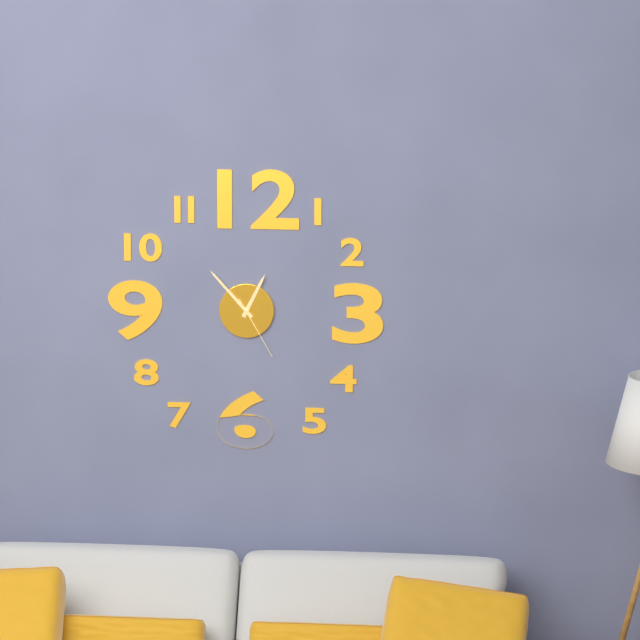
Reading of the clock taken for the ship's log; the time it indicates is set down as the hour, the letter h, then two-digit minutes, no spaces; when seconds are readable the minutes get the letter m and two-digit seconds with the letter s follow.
12h53m25s
